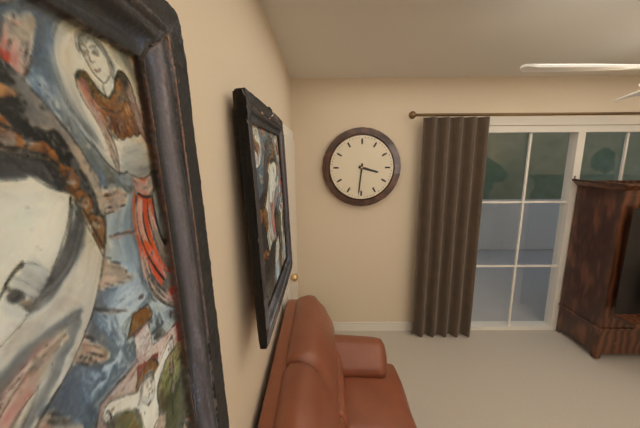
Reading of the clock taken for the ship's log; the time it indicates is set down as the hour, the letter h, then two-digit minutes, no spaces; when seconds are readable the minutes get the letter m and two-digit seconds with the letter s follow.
3h31
